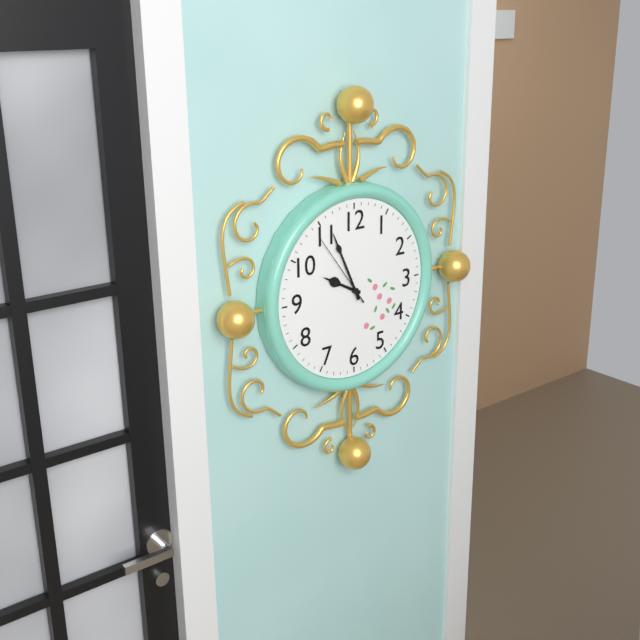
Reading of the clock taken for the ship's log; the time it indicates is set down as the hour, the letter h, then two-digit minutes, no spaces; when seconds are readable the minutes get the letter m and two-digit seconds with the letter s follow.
9h56m54s
